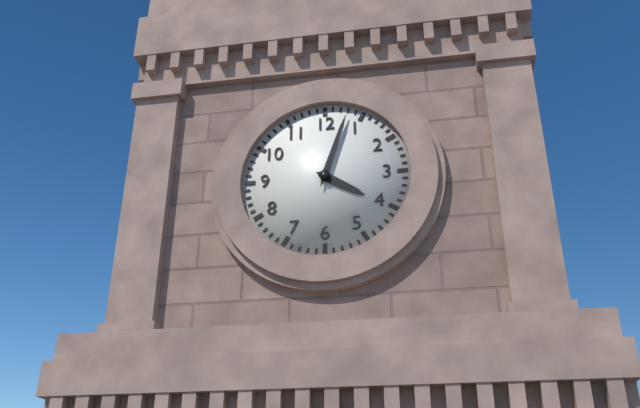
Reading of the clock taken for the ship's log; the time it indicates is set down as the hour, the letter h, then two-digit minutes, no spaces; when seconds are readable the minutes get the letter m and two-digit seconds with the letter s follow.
4h03
